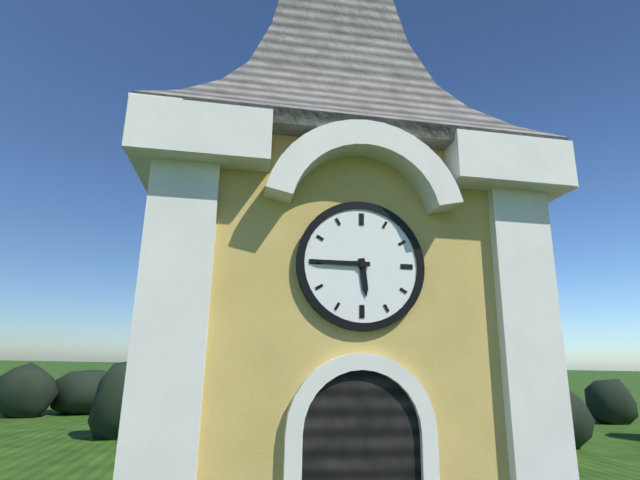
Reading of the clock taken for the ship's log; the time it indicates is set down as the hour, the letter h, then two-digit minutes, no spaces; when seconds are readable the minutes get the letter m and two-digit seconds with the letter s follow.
5h45
